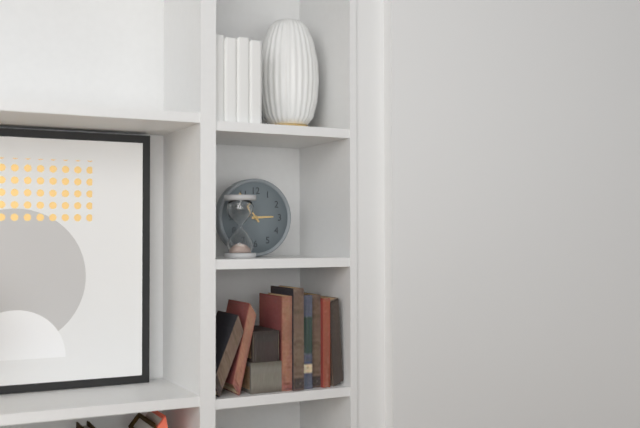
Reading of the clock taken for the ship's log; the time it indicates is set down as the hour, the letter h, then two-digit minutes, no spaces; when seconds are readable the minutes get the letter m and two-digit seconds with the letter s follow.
2h54
